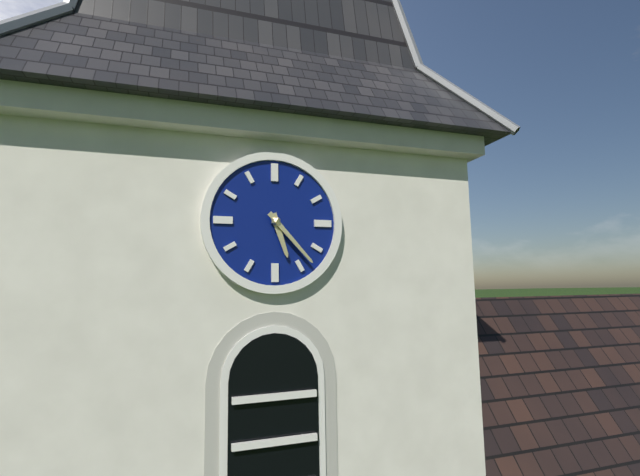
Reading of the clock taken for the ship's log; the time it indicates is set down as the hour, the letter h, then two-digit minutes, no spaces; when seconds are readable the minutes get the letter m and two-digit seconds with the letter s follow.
5h23
